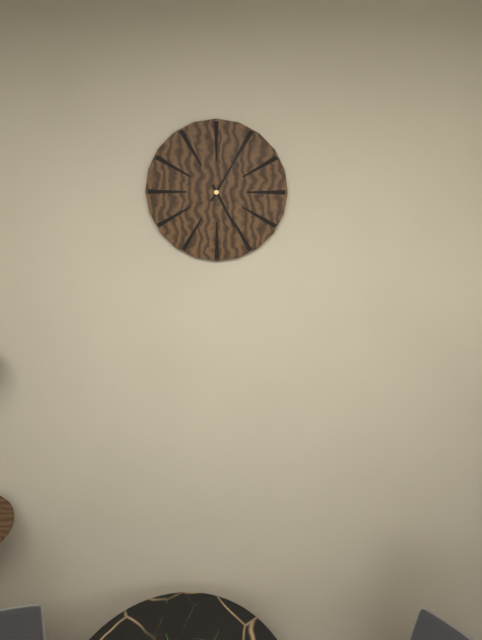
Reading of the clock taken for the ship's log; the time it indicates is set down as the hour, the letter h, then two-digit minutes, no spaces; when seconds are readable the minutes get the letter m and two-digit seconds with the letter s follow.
5h05
